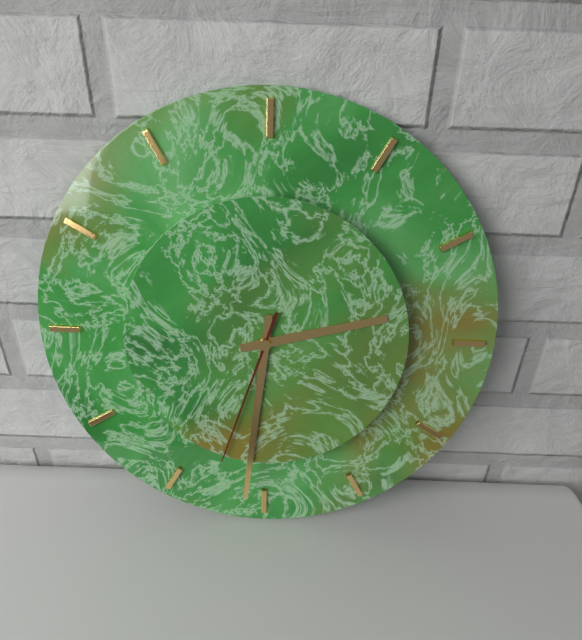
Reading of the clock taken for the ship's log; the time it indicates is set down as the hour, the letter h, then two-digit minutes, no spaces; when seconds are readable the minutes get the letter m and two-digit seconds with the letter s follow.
2h31m33s
